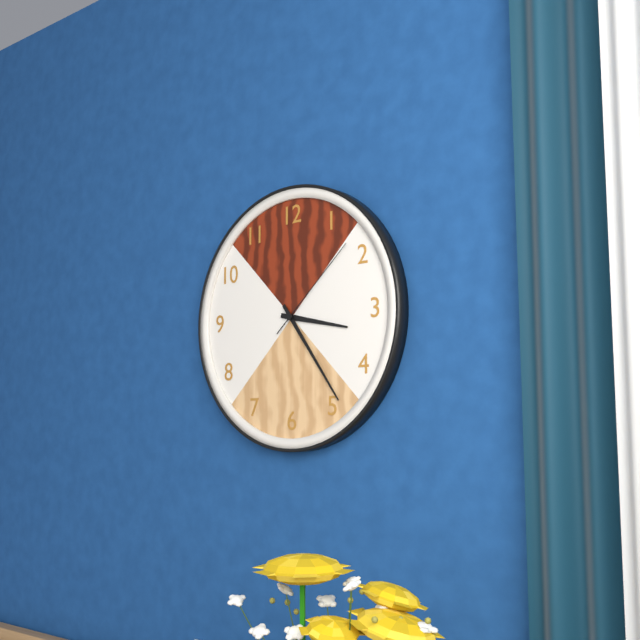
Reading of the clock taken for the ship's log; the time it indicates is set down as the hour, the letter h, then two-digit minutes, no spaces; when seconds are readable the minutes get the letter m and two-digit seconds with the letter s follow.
3h24m08s
